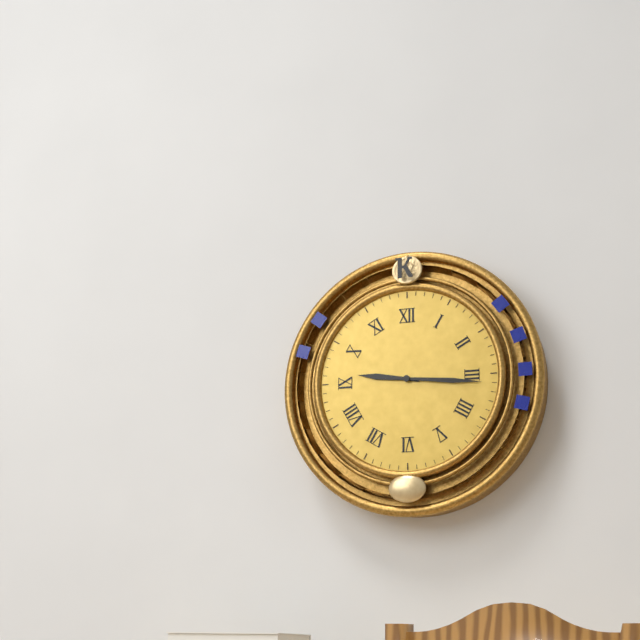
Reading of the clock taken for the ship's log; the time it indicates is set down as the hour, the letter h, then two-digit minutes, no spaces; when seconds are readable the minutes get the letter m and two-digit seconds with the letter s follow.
9h16
